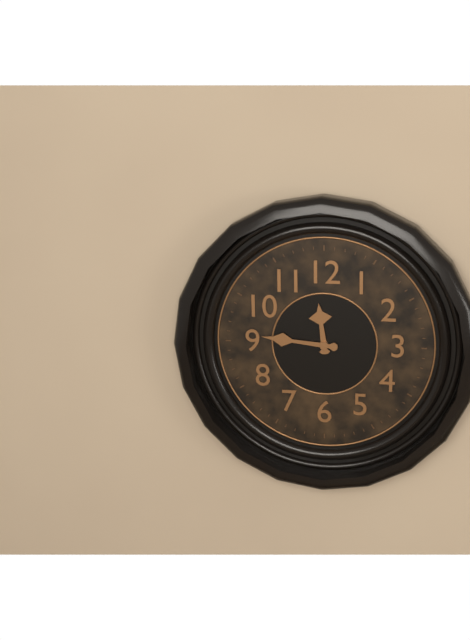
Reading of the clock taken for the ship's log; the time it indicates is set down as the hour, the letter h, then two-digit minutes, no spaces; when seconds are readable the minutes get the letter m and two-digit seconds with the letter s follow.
11h46
